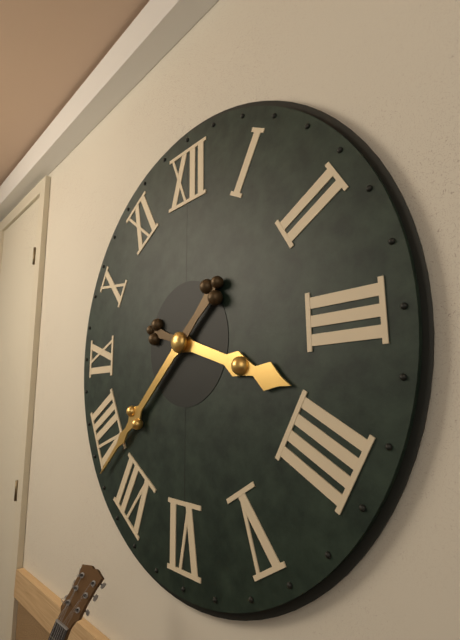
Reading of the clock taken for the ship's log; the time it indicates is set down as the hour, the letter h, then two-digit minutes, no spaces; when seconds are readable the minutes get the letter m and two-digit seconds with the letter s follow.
3h38
